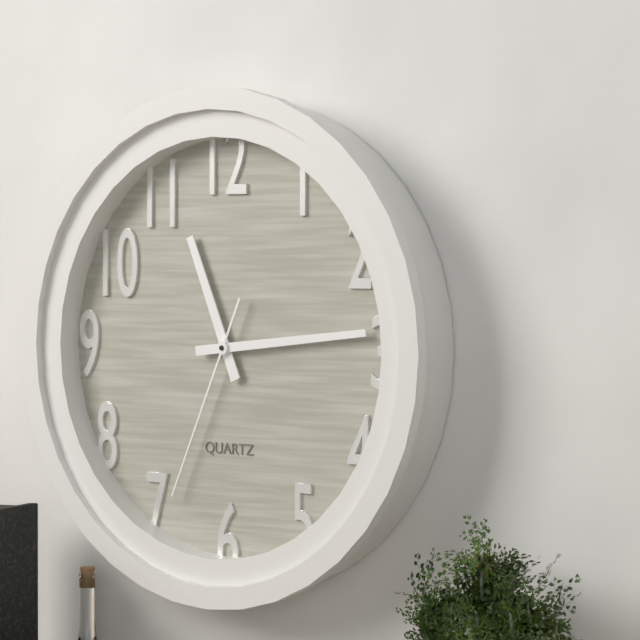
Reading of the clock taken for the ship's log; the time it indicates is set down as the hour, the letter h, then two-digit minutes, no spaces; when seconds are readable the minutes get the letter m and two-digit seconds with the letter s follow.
11h14m34s
